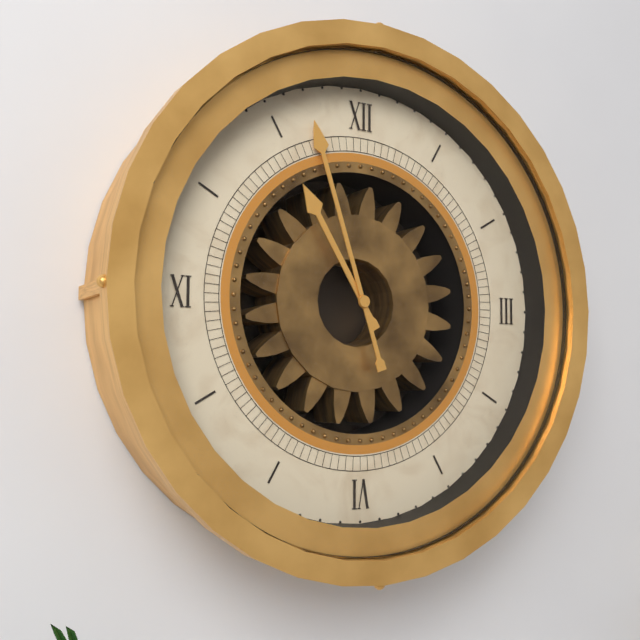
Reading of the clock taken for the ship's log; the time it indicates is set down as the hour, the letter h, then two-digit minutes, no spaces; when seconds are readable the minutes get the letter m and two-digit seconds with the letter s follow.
10h57
